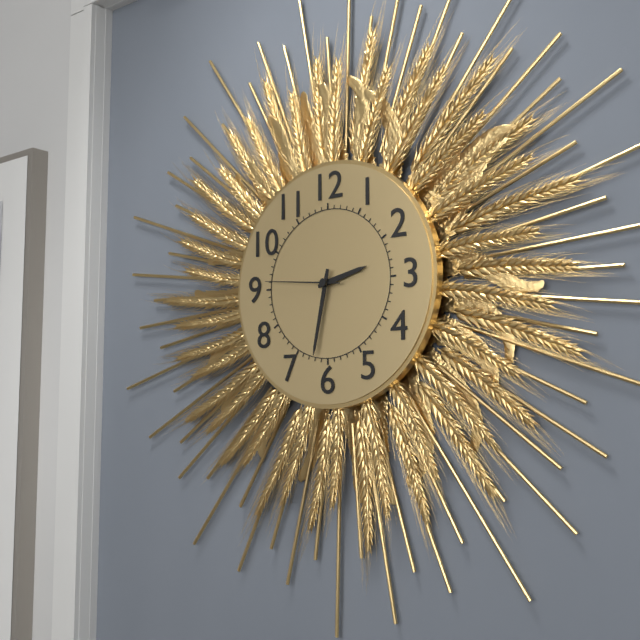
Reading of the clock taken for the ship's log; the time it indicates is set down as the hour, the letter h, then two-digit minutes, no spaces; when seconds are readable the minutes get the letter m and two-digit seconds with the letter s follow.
2h32m46s
